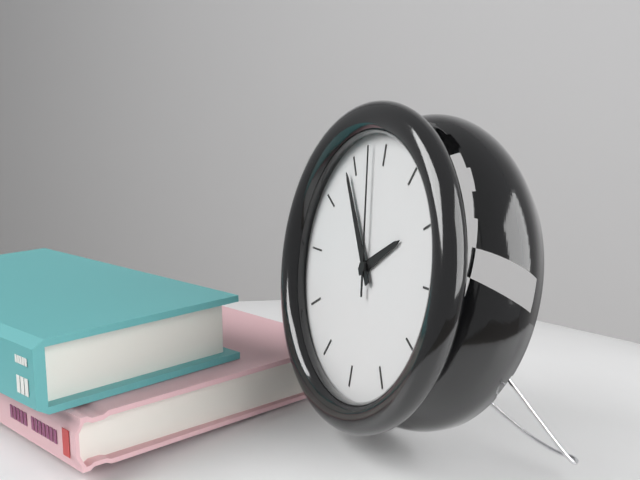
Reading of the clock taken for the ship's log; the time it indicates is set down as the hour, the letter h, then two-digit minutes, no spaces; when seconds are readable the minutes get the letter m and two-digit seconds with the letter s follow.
1h54m58s
